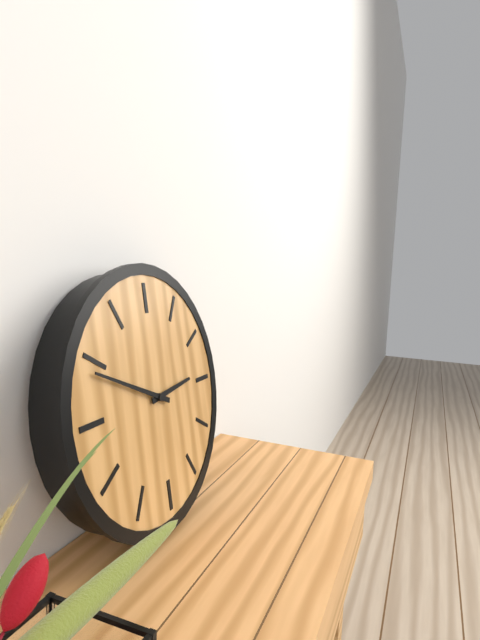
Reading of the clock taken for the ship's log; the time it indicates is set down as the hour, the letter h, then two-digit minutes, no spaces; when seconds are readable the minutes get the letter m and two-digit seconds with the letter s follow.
2h49
